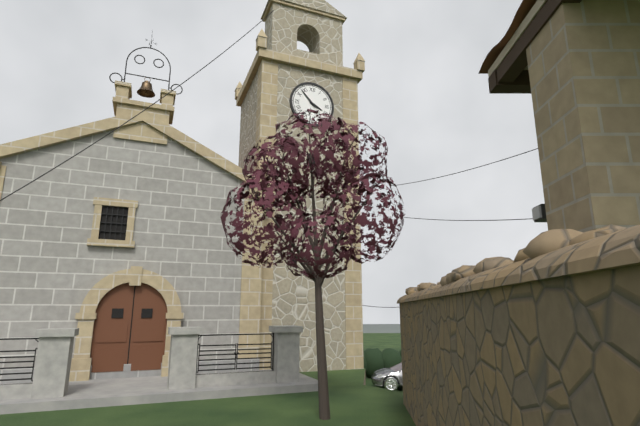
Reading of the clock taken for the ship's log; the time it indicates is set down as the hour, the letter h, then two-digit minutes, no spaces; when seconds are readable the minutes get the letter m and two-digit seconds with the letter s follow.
3h53
